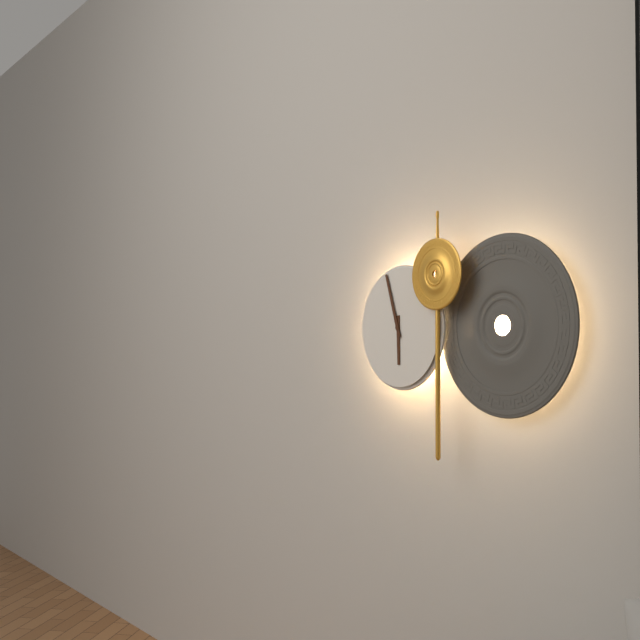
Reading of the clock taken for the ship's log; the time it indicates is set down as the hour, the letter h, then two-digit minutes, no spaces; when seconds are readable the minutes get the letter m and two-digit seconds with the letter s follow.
5h57
